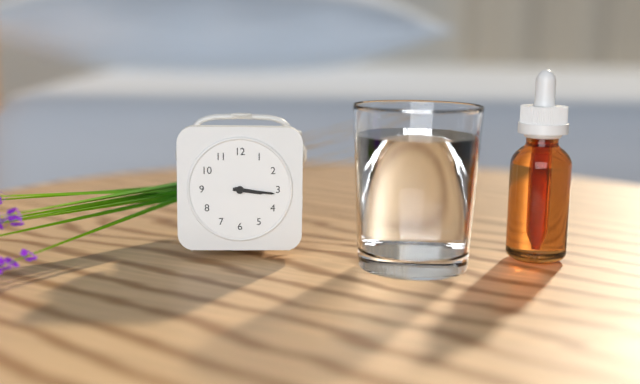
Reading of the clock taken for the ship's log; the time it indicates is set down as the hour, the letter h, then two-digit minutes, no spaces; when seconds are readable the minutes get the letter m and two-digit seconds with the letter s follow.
3h16
